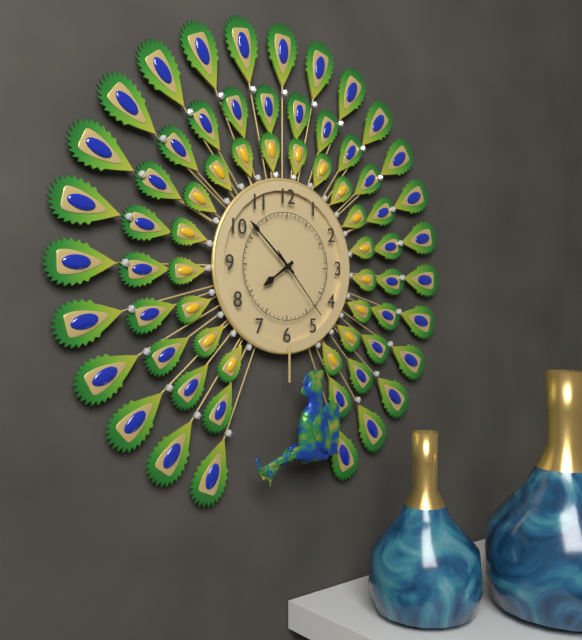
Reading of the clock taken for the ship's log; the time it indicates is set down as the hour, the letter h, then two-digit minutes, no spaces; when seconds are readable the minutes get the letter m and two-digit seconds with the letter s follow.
7h52m23s
